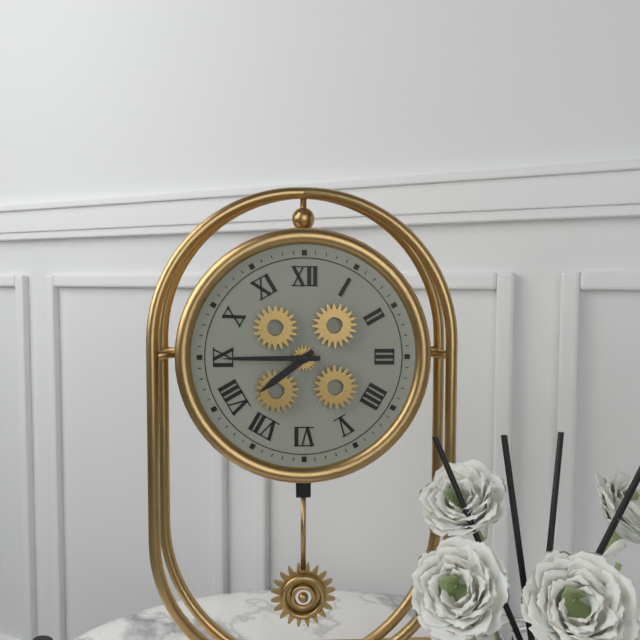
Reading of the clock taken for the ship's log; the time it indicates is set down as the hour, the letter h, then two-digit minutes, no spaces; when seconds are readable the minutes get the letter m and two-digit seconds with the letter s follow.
7h45
